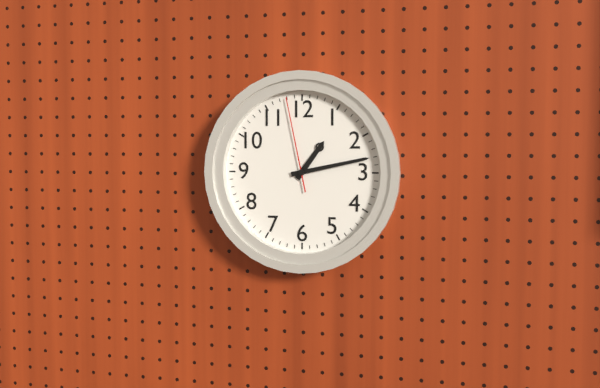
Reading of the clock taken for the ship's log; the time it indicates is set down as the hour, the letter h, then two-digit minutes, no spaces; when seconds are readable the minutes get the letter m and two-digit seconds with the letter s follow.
1h13m58s
